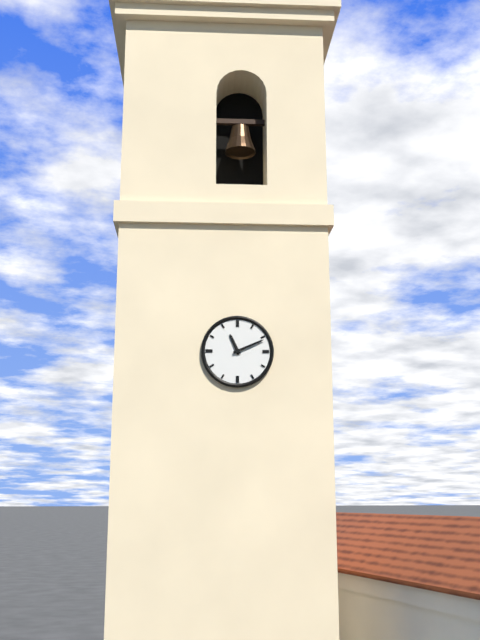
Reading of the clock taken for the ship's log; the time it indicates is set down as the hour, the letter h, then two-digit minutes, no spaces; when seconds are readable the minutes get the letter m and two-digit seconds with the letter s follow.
11h11
